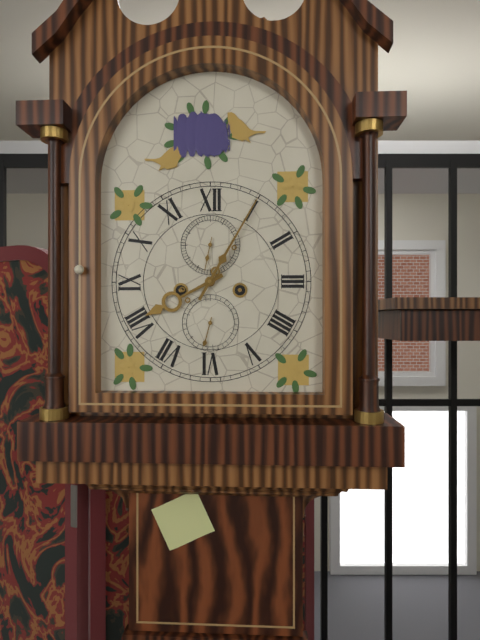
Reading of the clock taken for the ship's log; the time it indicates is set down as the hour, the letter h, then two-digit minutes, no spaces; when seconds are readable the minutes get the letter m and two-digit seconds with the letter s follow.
8h05
